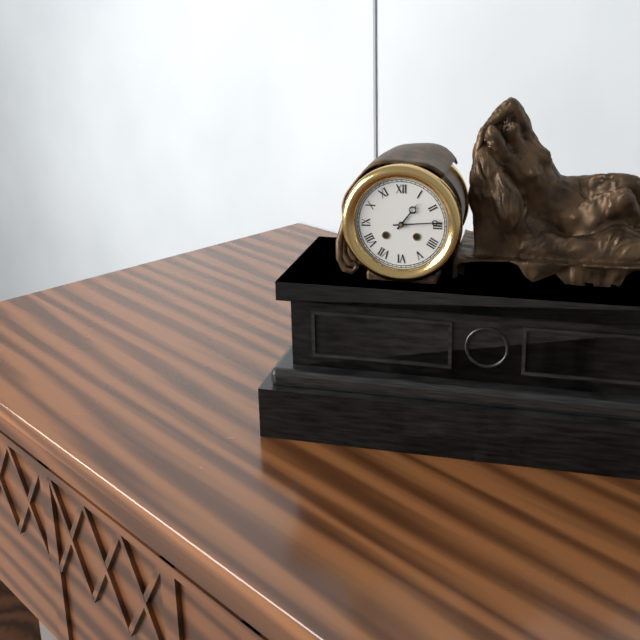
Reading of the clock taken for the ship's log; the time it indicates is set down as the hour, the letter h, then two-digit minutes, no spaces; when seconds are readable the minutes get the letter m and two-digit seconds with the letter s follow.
1h14
